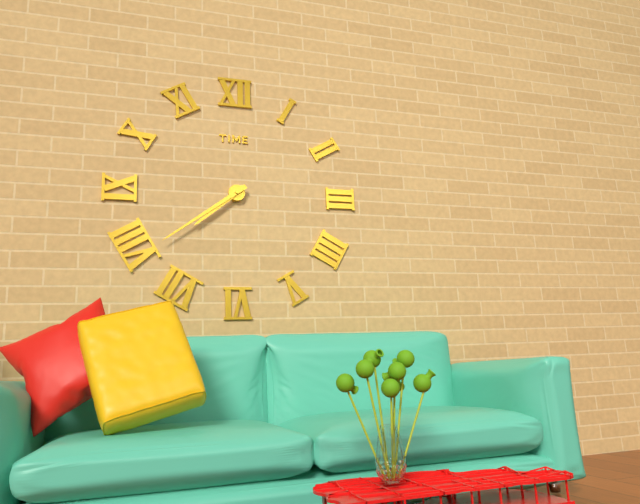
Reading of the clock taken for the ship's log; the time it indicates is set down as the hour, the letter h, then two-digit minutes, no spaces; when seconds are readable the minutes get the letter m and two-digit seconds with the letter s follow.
7h39
